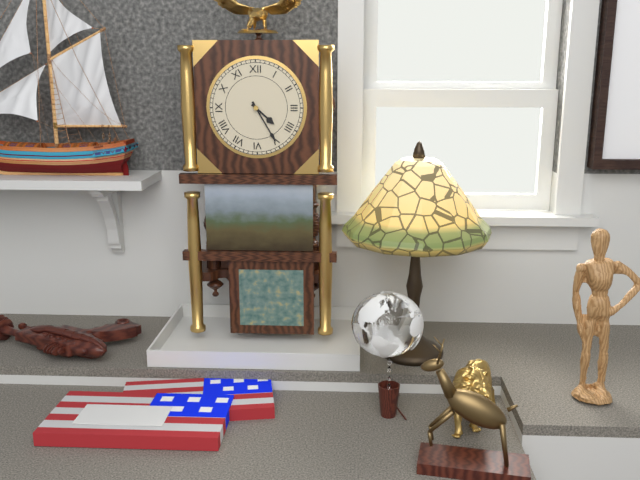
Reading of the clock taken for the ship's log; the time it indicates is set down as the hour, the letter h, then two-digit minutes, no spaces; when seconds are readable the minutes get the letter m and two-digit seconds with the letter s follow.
4h25
